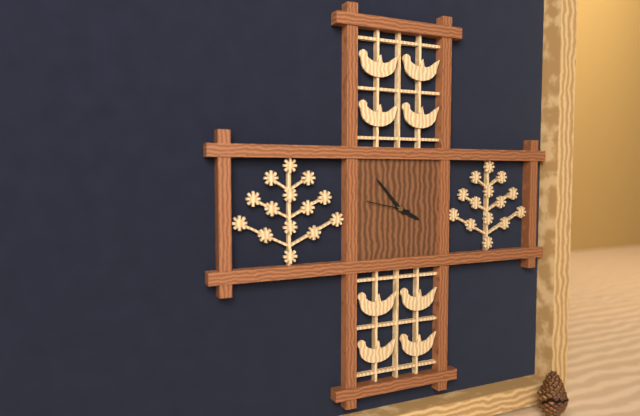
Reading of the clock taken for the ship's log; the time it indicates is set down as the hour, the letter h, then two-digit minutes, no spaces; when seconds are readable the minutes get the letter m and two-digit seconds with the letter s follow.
3h53
